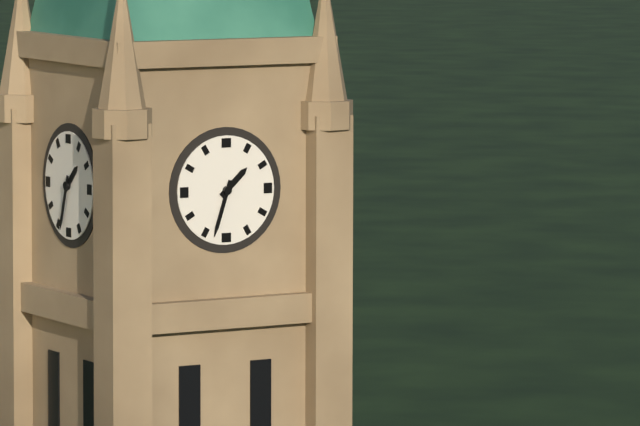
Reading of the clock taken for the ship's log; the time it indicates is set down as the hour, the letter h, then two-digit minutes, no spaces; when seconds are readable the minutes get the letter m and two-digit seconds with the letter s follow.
1h33
